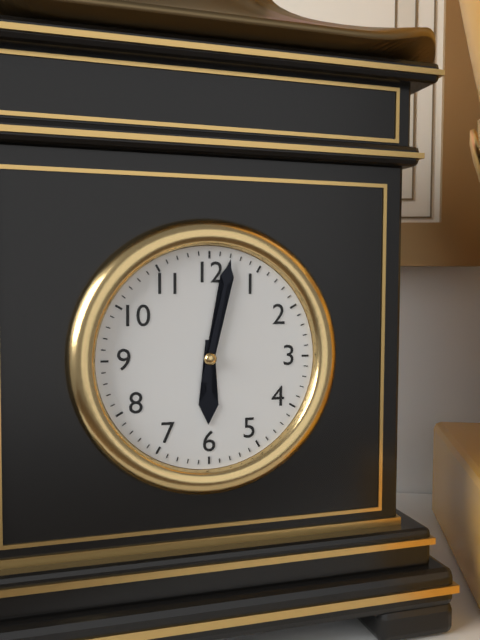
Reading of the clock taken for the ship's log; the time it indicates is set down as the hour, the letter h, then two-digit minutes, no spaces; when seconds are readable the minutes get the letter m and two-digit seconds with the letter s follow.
6h02
